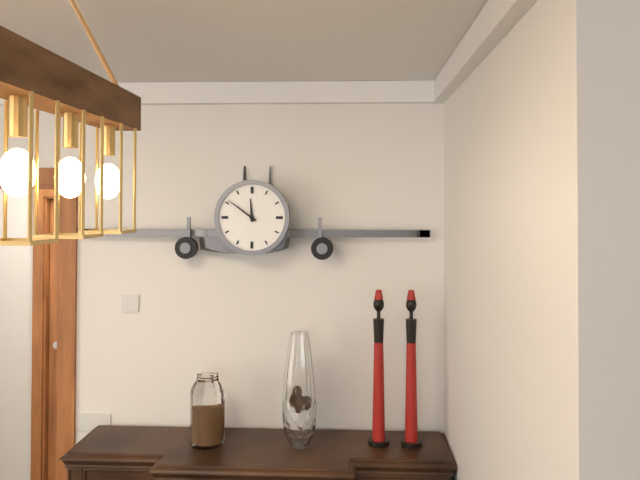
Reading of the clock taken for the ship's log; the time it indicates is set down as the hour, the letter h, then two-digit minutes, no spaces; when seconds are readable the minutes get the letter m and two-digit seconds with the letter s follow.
11h51
